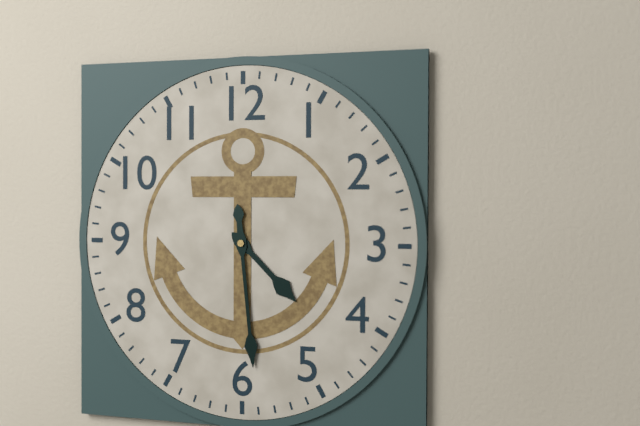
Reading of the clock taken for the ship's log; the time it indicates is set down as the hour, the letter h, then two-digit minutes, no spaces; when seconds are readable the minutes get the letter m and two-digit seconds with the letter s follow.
4h29
